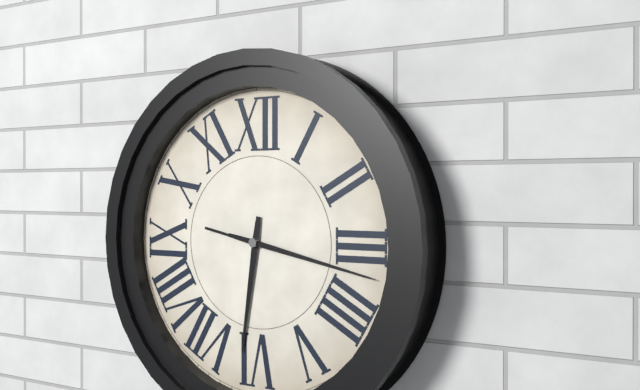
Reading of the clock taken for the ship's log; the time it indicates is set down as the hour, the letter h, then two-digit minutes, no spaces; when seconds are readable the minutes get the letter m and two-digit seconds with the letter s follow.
6h17m17s
